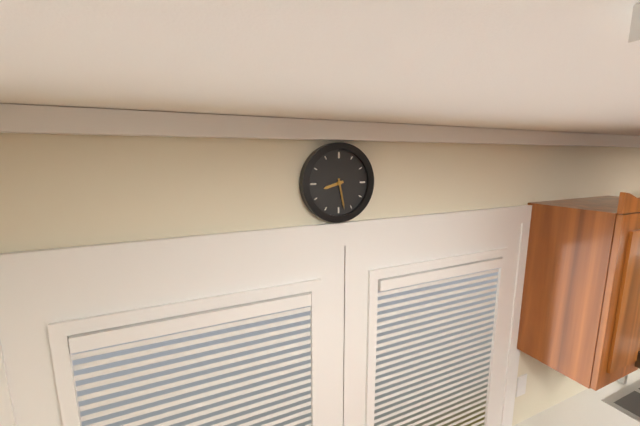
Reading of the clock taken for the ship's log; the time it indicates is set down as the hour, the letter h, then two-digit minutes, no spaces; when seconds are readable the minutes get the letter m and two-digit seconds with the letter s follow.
8h28
